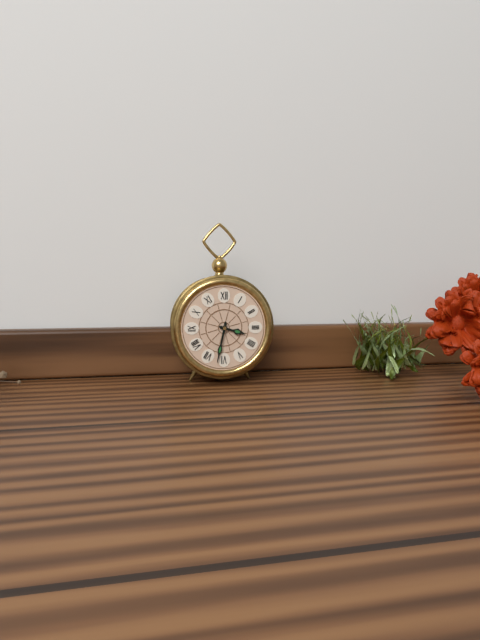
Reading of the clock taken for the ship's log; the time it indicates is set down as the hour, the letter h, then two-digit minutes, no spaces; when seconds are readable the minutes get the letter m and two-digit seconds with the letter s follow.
3h32
